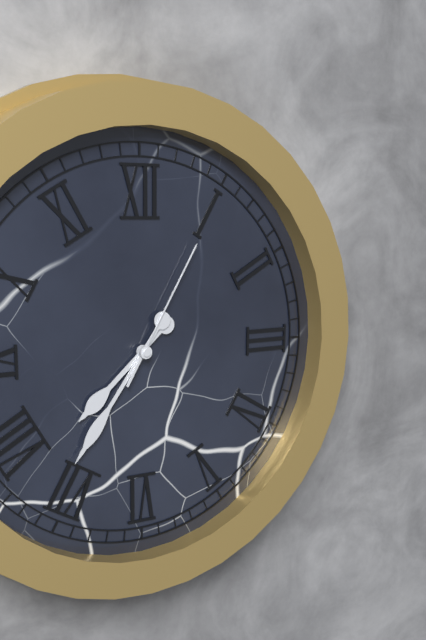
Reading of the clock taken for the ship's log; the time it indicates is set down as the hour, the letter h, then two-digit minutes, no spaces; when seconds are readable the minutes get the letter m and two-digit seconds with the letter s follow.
7h36m05s
